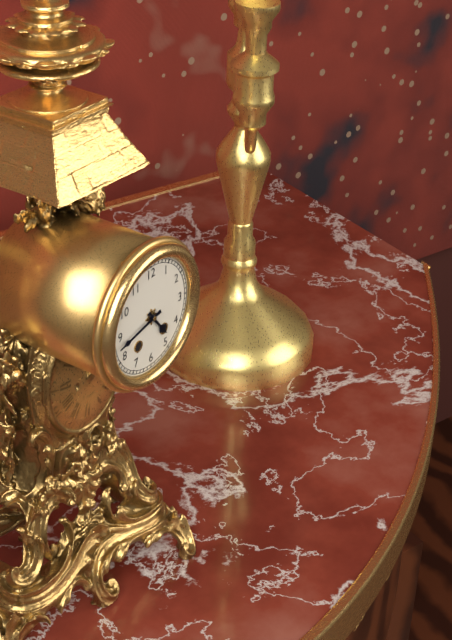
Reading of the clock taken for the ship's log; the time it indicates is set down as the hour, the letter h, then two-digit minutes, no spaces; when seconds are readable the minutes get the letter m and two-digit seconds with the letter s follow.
4h43
